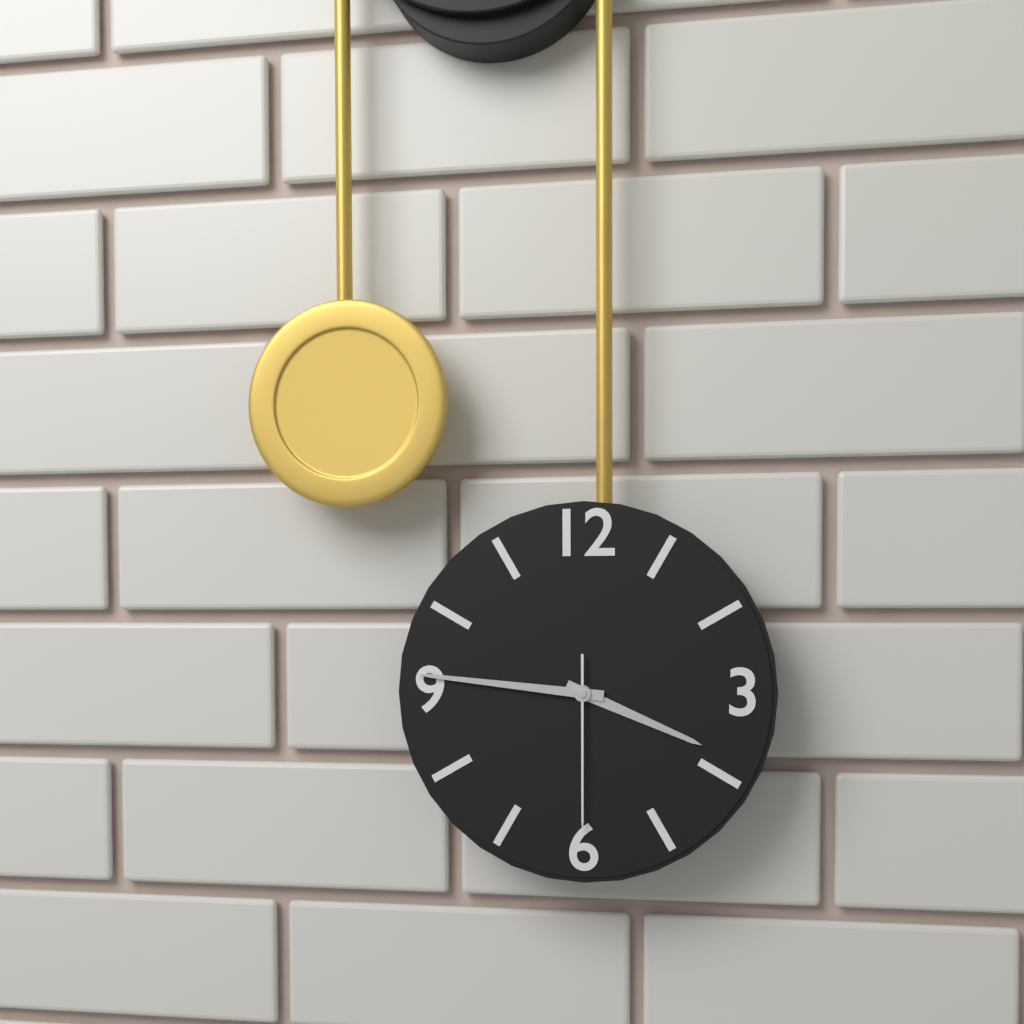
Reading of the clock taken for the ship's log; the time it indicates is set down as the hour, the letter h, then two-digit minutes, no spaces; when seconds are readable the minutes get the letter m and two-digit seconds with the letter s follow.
3h46m30s
